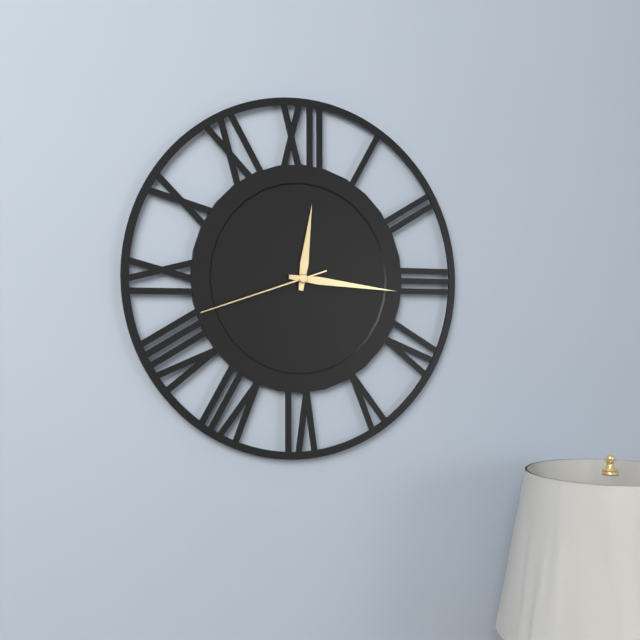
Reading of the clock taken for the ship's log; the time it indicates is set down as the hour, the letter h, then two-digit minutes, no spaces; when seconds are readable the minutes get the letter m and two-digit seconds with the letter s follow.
12h16m42s
